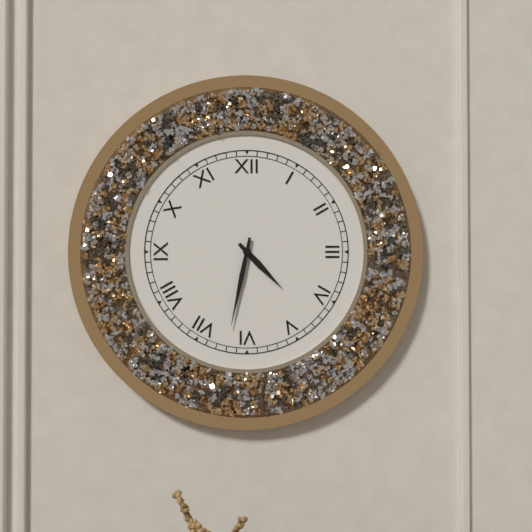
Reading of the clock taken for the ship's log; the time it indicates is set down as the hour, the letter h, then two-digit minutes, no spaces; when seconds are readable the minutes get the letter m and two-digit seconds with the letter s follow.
4h32
